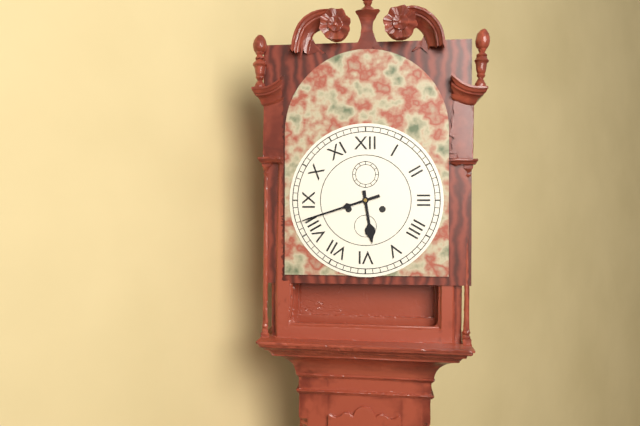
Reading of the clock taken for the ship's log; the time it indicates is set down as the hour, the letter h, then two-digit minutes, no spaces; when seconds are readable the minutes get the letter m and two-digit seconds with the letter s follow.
5h42
